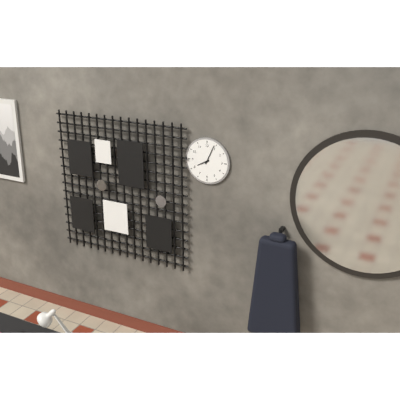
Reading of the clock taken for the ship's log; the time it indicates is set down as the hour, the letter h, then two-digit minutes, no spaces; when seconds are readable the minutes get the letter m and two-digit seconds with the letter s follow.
8h04
